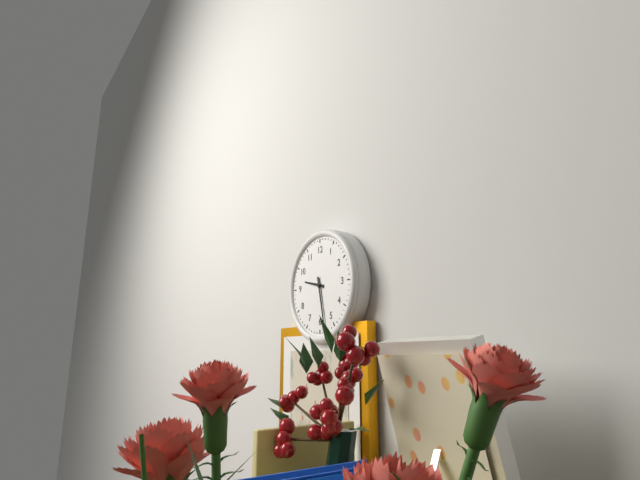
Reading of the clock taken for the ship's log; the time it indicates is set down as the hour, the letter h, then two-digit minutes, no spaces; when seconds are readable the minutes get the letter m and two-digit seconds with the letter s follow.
9h28
